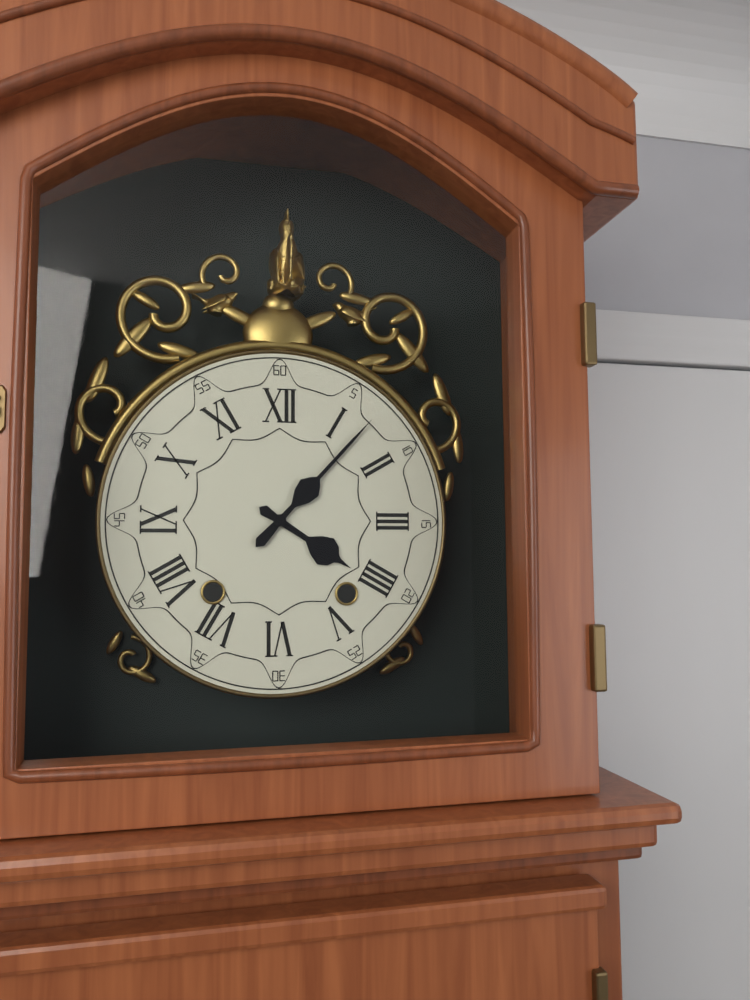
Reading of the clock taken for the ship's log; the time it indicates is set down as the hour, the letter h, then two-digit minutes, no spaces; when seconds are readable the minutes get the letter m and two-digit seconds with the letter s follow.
4h07
